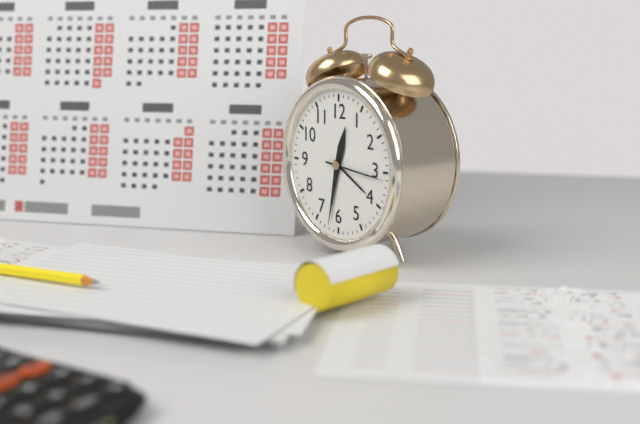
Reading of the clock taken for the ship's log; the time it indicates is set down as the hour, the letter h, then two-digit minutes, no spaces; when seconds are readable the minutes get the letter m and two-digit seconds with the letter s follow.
12h32m16s
